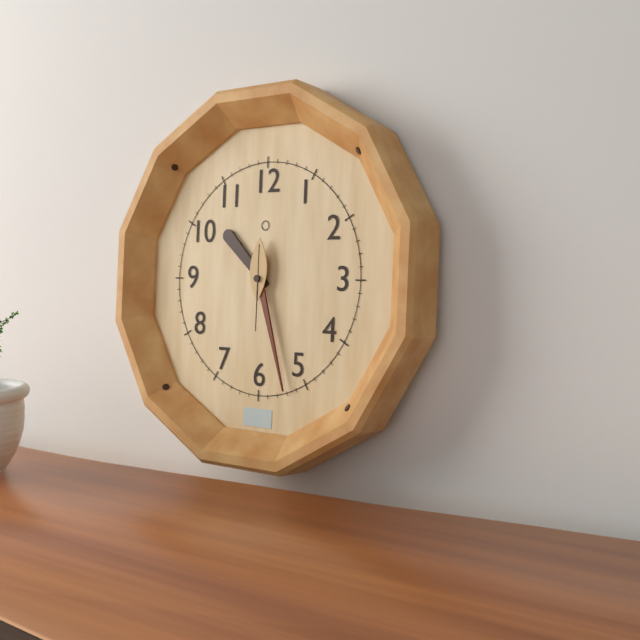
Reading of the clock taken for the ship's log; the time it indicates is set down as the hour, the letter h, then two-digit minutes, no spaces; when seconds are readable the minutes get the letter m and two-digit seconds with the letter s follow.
10h27m30s
